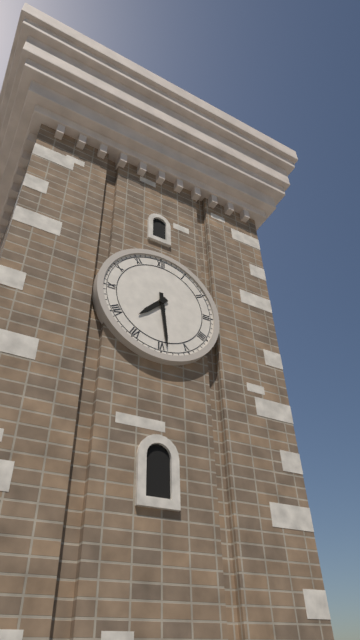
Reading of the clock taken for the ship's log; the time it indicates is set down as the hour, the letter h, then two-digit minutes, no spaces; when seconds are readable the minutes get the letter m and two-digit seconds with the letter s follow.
7h29
